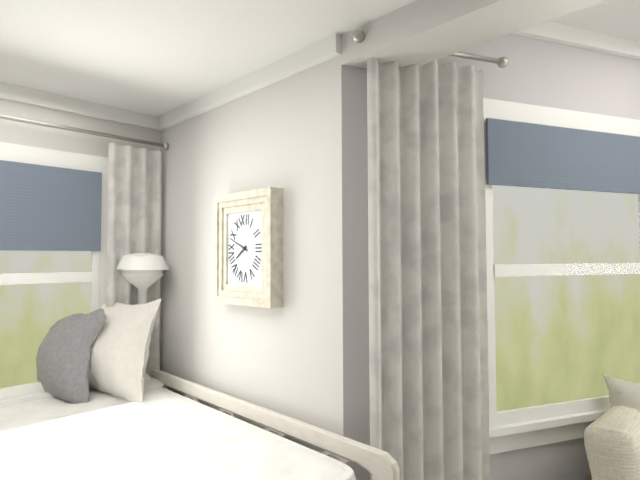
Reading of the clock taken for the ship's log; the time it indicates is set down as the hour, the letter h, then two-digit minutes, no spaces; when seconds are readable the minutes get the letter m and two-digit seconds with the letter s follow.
7h49
